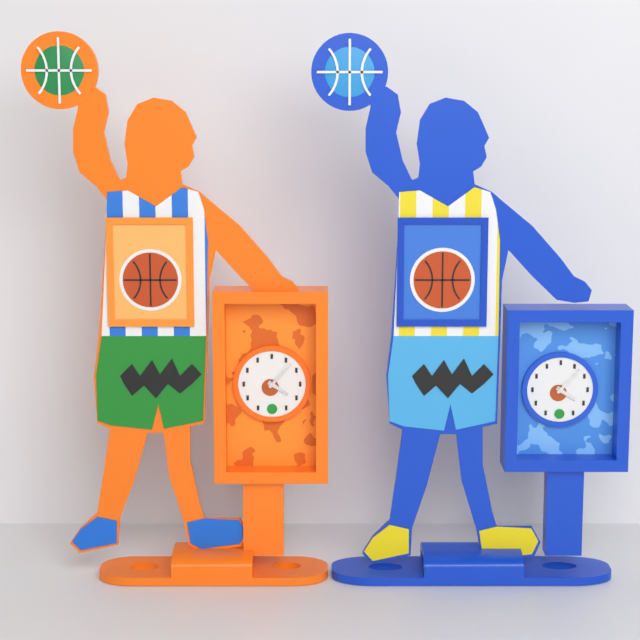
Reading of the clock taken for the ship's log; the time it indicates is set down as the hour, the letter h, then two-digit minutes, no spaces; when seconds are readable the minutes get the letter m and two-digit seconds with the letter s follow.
4h07
